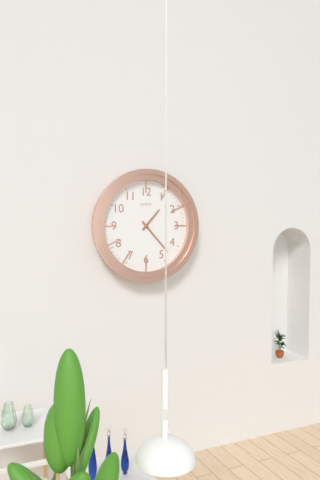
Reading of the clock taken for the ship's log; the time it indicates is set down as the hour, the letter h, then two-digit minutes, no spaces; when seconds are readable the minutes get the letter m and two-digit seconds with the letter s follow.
1h23
